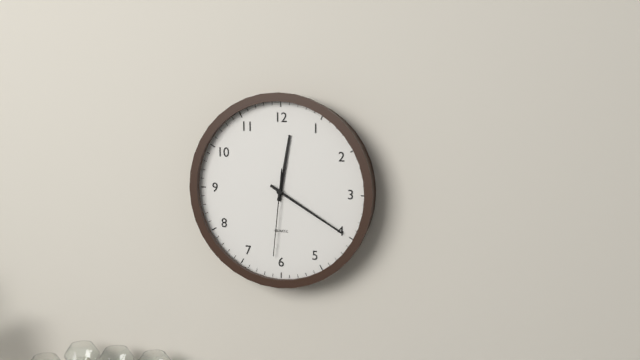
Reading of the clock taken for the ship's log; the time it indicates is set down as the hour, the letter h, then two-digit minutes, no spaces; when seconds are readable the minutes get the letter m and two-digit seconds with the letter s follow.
12h20m31s
